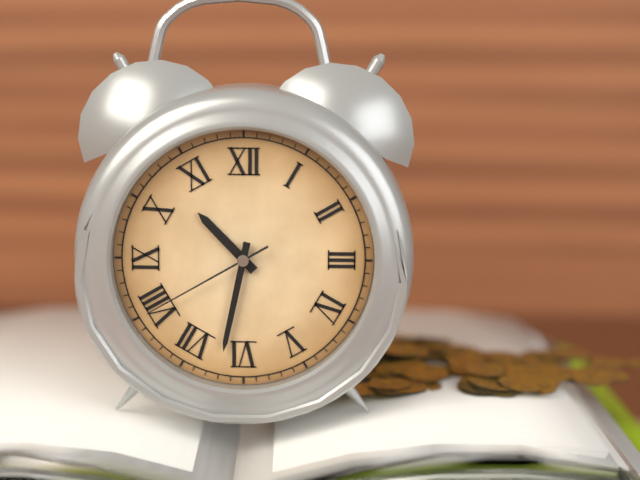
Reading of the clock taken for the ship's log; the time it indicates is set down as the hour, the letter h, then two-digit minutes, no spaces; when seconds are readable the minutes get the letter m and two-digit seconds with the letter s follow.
10h32m40s
